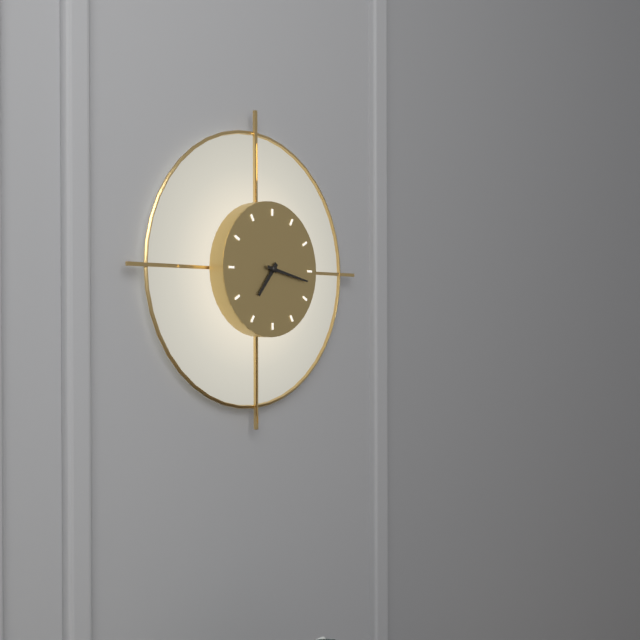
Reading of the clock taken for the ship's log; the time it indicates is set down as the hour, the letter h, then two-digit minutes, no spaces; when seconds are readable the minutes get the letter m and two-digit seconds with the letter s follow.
7h17
